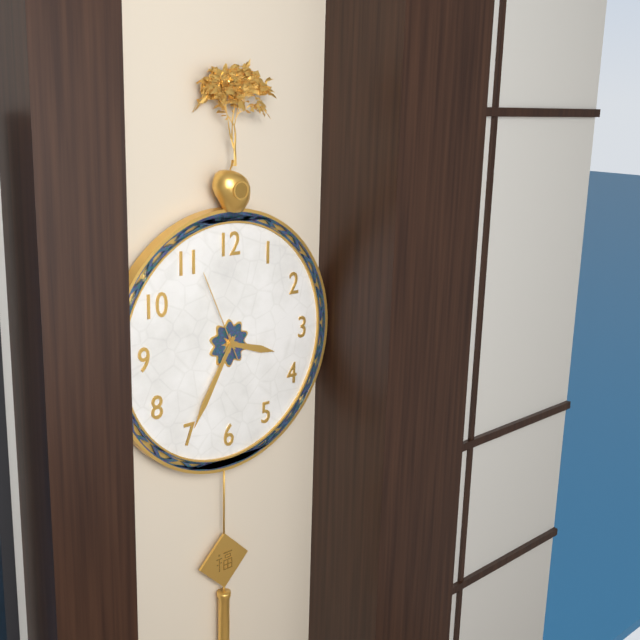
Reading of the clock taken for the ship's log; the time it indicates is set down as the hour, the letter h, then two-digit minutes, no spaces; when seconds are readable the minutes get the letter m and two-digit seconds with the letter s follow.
3h35m56s
